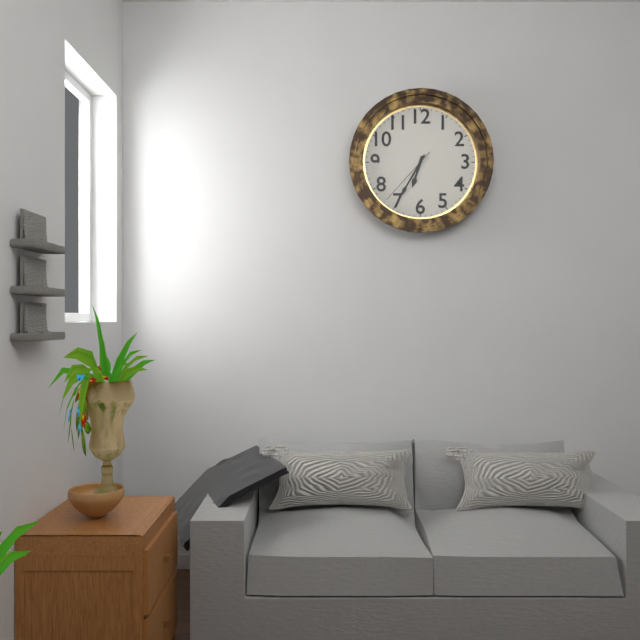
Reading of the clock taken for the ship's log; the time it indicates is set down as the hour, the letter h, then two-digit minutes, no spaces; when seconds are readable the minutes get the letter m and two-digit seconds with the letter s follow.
6h35m37s
